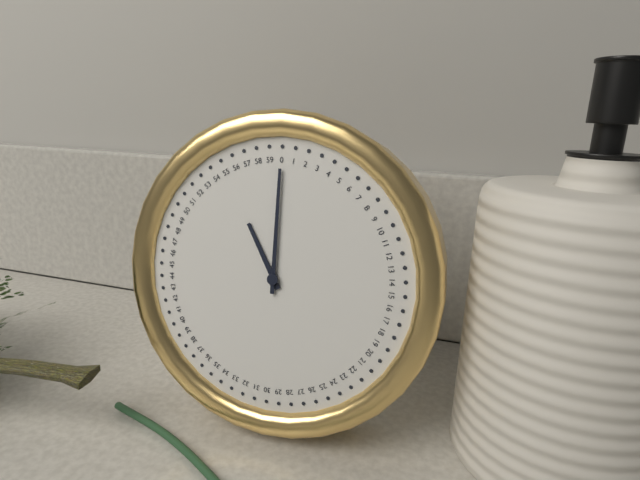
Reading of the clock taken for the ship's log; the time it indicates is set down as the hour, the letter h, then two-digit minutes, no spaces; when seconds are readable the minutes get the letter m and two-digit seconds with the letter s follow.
11h00
